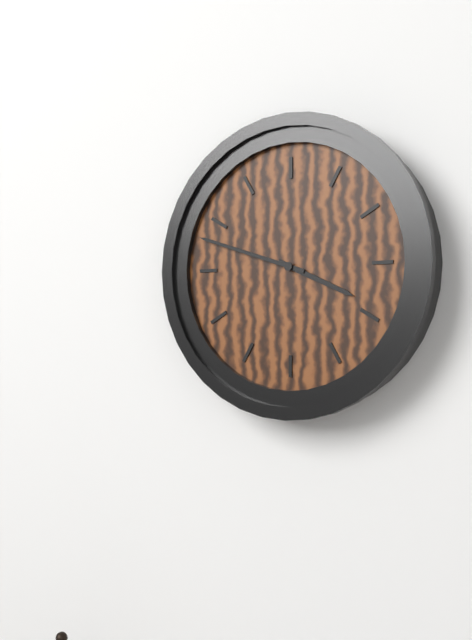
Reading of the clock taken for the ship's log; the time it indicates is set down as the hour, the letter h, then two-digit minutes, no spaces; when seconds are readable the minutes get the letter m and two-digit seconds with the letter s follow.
3h48
